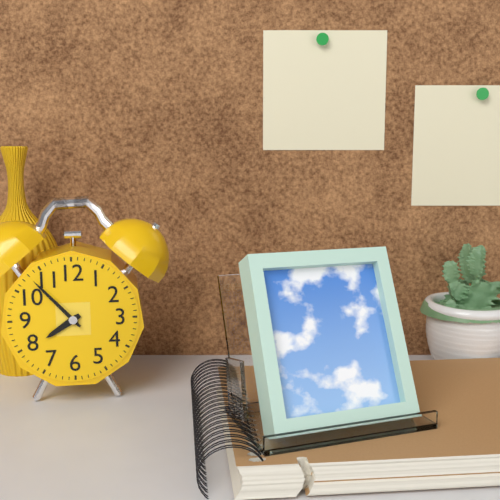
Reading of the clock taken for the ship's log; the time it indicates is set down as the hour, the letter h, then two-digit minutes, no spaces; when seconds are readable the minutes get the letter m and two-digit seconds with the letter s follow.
7h53
